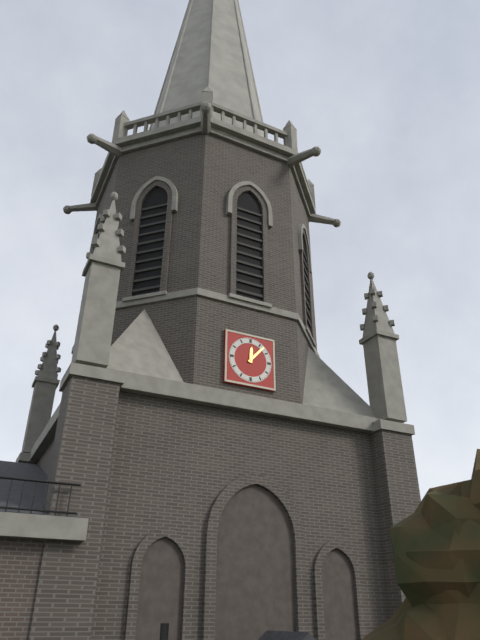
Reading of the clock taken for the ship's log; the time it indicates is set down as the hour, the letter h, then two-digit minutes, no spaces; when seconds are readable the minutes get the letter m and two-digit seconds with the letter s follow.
12h07
